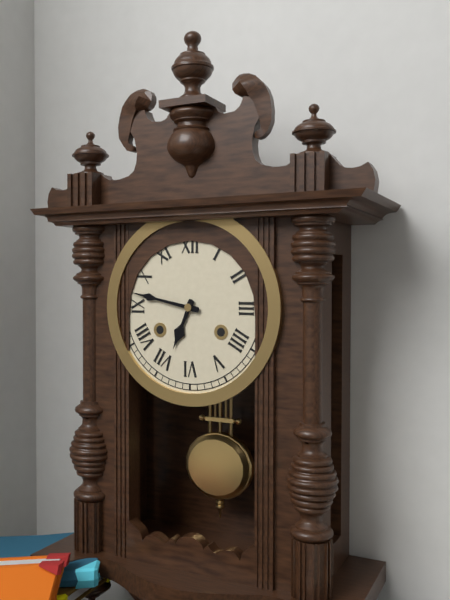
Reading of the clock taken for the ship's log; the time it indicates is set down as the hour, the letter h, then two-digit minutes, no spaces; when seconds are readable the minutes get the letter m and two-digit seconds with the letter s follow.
6h47
